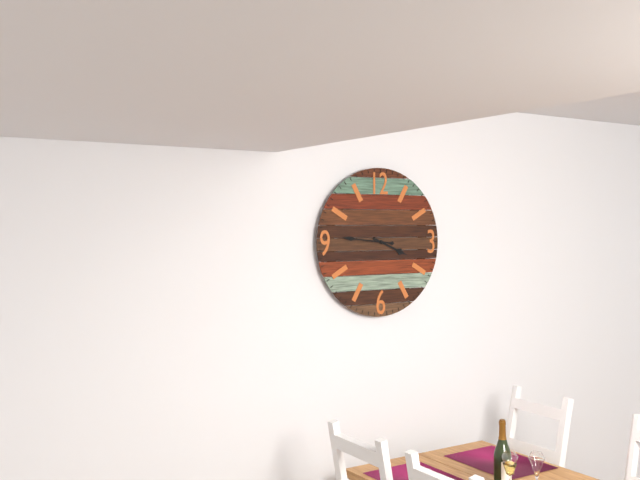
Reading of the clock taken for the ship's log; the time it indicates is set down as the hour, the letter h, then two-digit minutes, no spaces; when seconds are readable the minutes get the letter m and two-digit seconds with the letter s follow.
3h46
